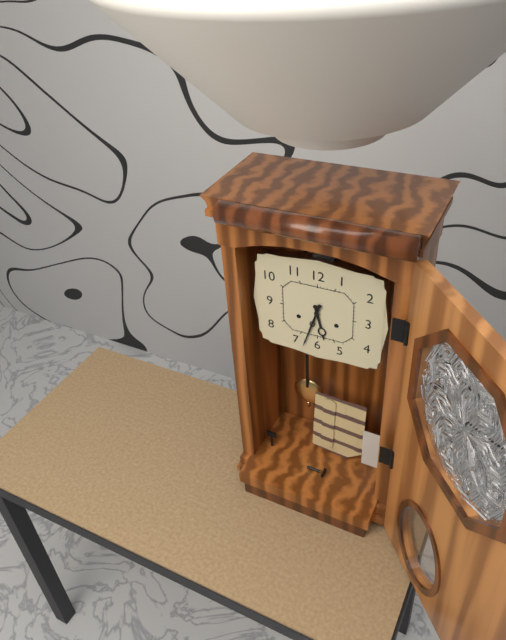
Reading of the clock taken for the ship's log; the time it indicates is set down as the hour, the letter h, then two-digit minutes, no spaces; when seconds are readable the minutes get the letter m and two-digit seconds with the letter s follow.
5h33
